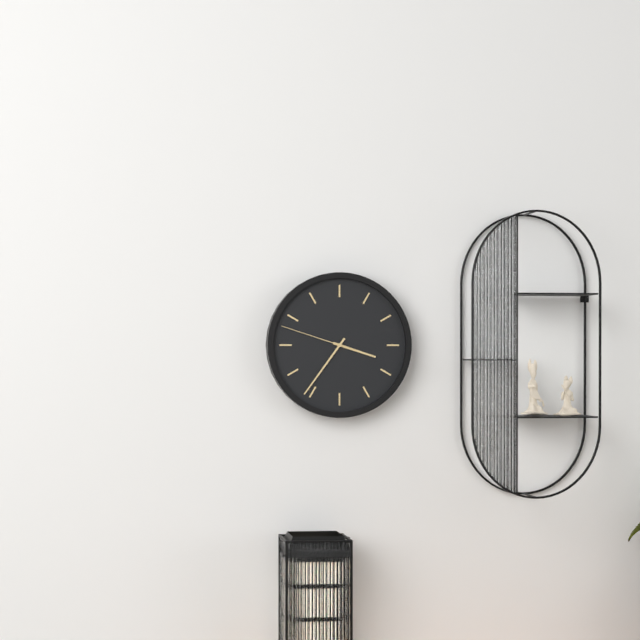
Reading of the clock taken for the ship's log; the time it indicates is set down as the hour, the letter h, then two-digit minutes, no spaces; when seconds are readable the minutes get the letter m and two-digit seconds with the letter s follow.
3h36m48s
